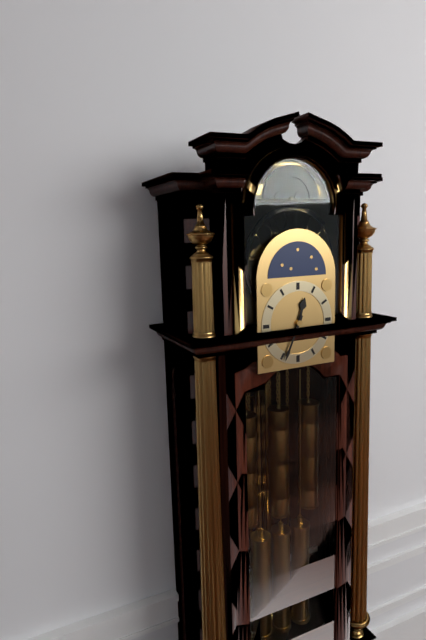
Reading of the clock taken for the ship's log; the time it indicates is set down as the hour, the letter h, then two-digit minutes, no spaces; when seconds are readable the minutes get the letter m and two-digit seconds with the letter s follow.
12h34
